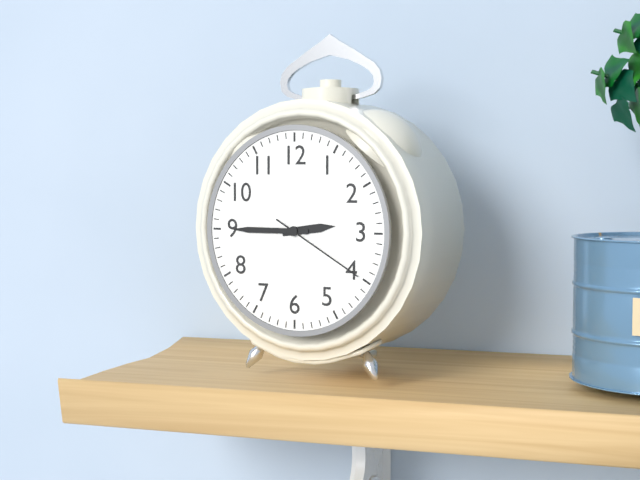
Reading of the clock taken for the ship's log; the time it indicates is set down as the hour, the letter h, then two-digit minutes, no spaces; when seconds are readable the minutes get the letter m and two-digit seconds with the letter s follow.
2h45m20s
